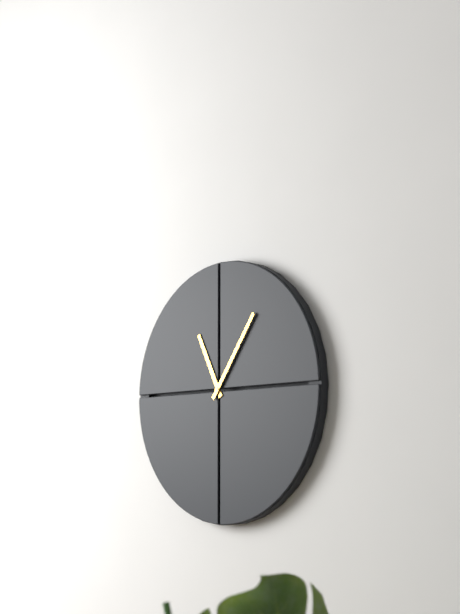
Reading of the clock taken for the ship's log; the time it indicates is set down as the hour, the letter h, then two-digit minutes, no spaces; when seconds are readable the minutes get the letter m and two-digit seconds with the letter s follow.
11h06
